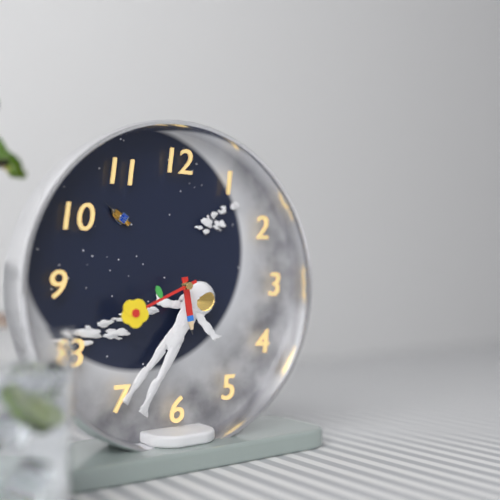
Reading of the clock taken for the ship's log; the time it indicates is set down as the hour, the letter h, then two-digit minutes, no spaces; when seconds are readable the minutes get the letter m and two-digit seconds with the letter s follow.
5h41
